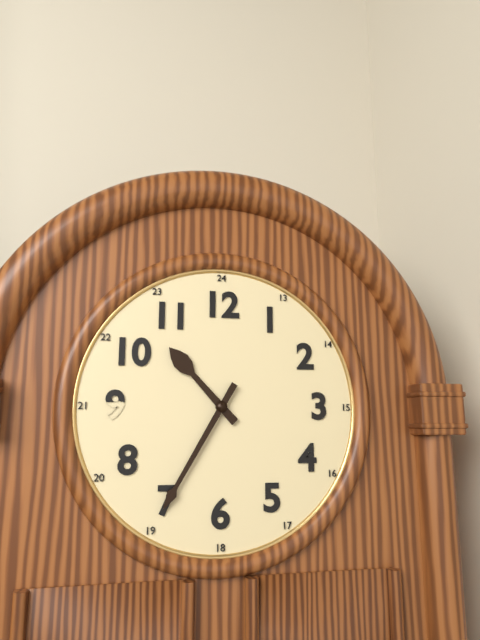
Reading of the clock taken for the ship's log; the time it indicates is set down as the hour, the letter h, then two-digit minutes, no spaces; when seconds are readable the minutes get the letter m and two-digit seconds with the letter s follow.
10h35
